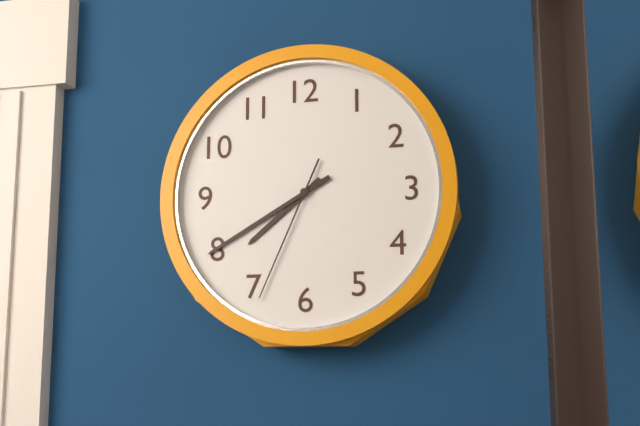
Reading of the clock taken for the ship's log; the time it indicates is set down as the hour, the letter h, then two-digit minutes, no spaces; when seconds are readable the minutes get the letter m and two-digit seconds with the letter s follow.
7h40m34s
